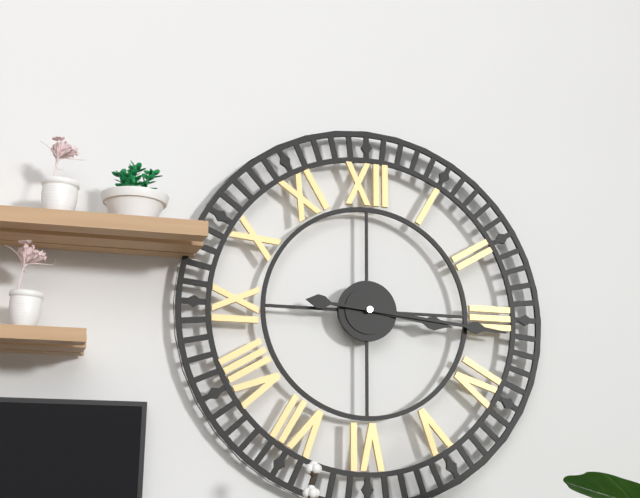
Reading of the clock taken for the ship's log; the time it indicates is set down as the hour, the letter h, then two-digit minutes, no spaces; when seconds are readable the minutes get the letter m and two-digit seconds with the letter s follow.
3h16
